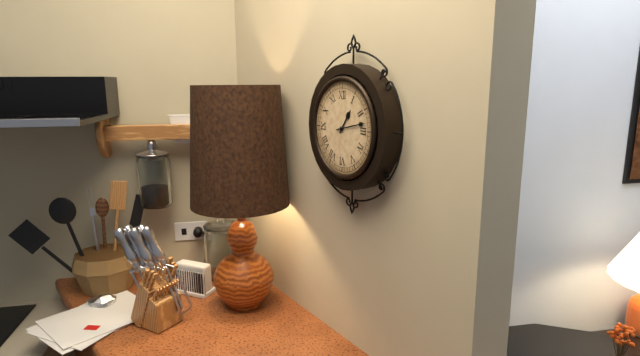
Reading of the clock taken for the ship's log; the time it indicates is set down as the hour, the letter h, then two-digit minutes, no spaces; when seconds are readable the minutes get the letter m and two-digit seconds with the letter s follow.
1h13
